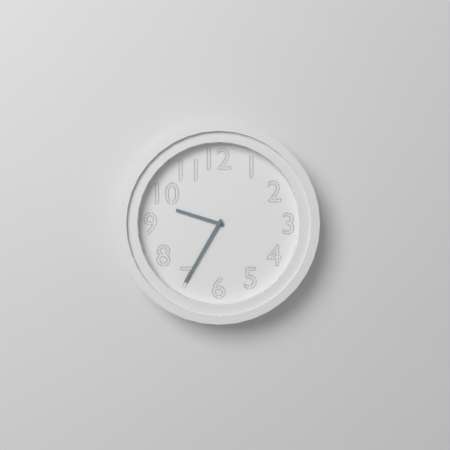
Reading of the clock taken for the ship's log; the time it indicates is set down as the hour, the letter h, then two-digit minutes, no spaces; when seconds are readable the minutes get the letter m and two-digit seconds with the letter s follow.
9h35
